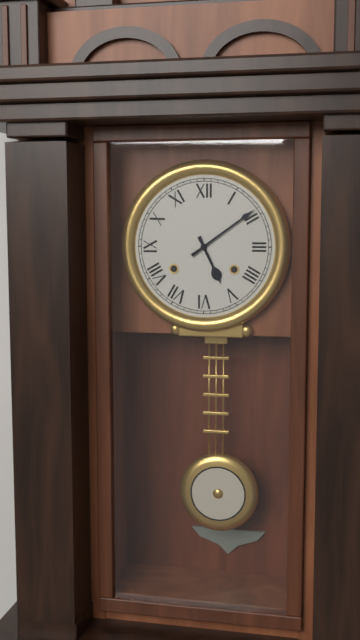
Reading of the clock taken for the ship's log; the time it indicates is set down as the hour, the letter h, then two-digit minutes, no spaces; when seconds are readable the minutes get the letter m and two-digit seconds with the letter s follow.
5h09
